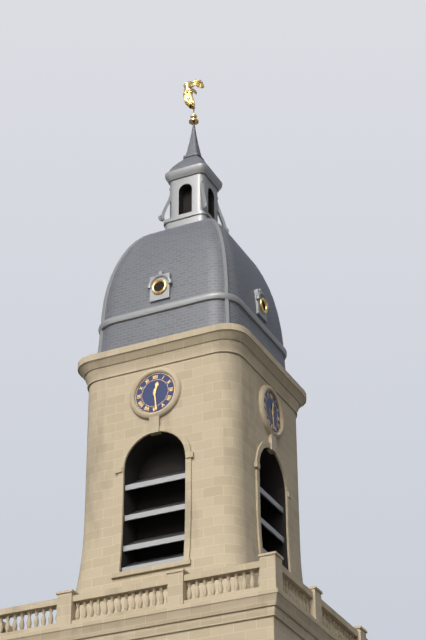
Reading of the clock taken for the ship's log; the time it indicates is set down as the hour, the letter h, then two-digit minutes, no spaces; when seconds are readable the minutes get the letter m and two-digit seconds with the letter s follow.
12h29
